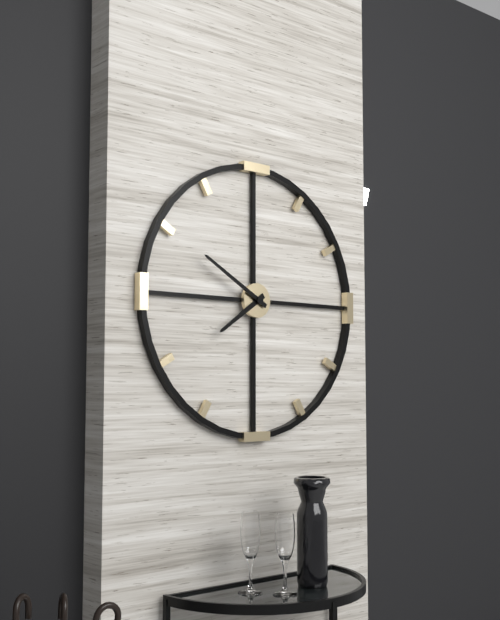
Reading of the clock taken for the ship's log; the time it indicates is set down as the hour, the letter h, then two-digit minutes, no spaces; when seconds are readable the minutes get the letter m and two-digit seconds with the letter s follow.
7h50
